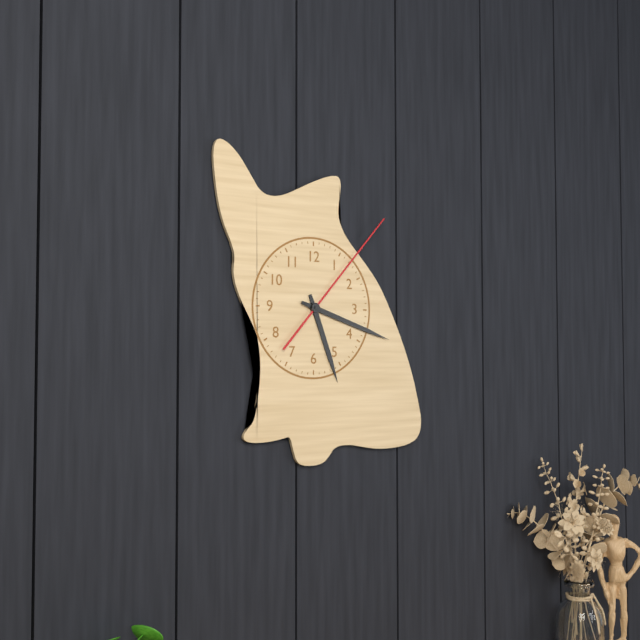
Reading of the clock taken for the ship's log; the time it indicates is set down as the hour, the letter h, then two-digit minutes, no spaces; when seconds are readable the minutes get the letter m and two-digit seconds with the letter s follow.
5h18m07s
